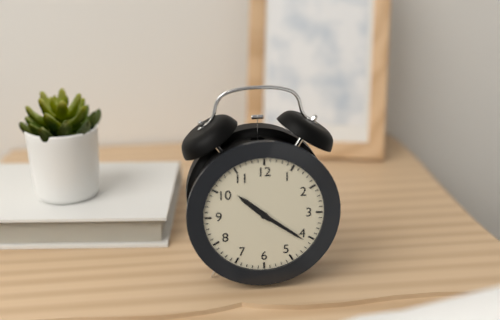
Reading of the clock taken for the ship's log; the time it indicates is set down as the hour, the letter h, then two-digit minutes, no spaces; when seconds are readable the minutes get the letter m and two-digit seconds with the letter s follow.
10h21
